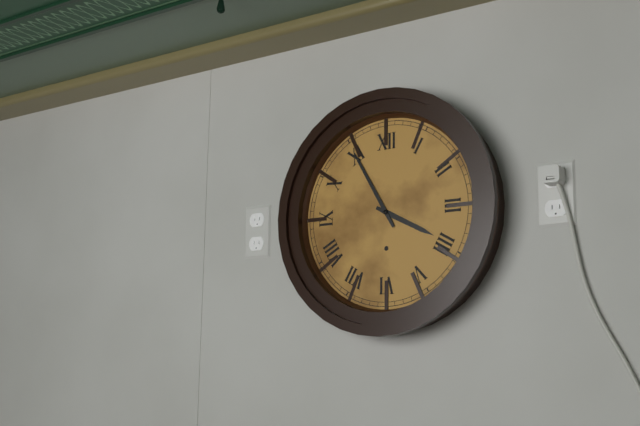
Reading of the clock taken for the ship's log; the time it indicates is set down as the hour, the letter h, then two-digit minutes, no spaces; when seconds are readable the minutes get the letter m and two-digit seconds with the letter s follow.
3h55
